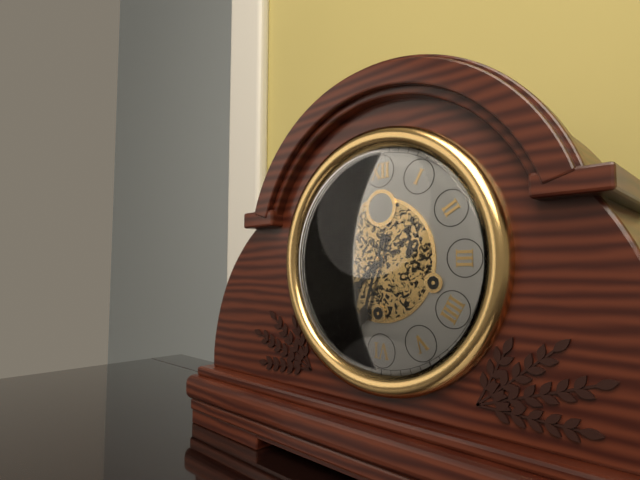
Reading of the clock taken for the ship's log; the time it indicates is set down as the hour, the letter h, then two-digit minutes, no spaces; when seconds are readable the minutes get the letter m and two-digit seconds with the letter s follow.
7h33
